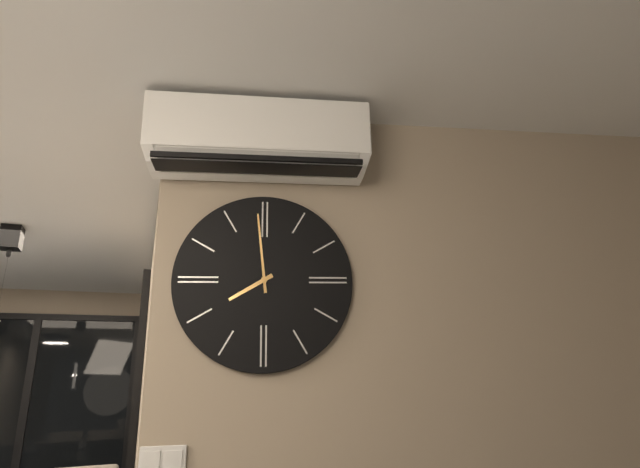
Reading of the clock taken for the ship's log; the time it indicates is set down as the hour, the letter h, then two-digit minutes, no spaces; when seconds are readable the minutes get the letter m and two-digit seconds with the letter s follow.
7h59
